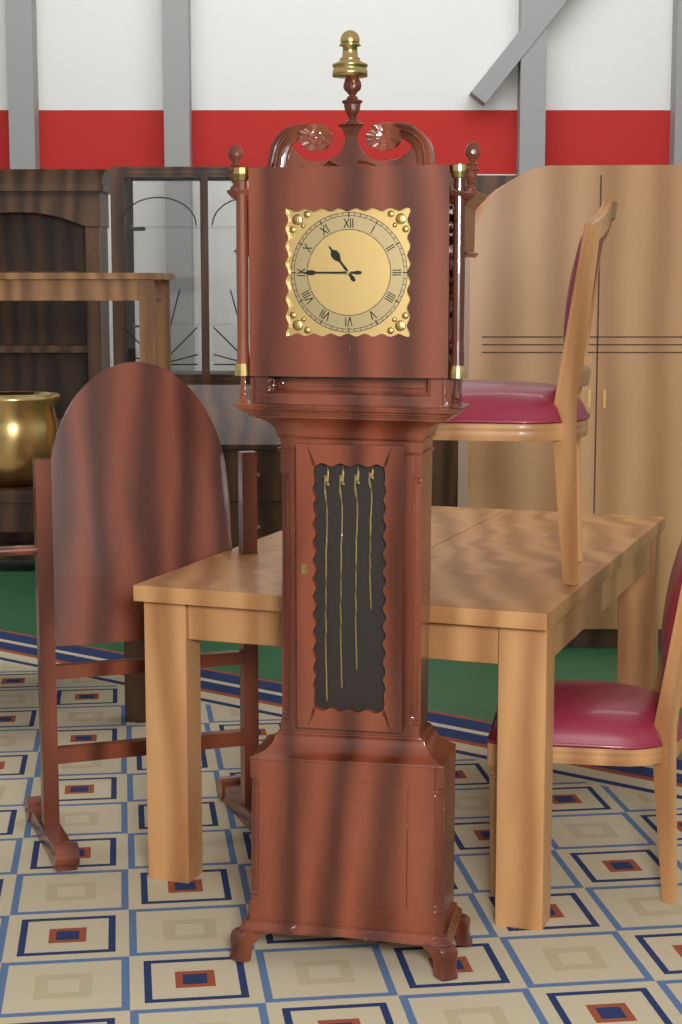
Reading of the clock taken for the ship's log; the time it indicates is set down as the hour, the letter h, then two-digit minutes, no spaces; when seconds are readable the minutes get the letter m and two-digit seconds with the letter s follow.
10h45
